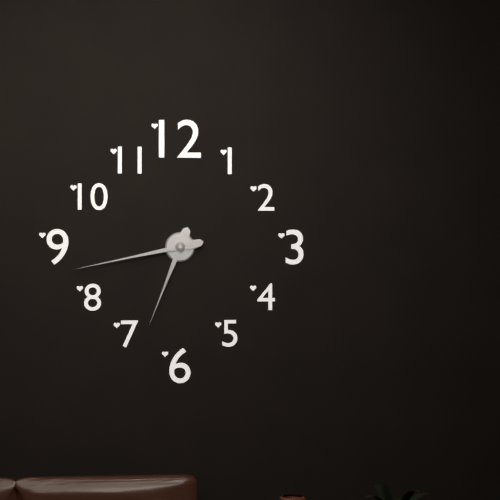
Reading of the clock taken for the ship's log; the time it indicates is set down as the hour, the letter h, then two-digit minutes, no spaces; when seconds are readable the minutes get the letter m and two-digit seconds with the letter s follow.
6h43
